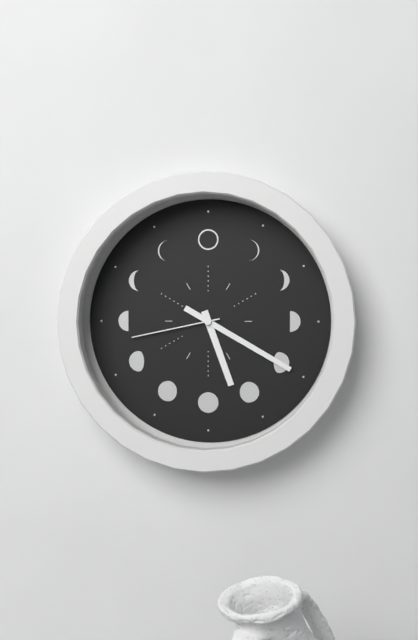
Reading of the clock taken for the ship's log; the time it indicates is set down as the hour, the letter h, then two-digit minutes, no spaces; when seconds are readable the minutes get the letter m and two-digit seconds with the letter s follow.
5h20m43s
